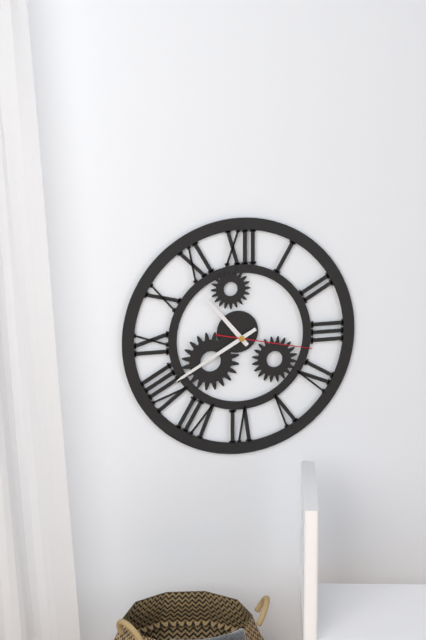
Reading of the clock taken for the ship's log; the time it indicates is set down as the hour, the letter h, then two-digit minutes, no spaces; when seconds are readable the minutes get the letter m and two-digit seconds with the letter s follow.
10h40m17s
